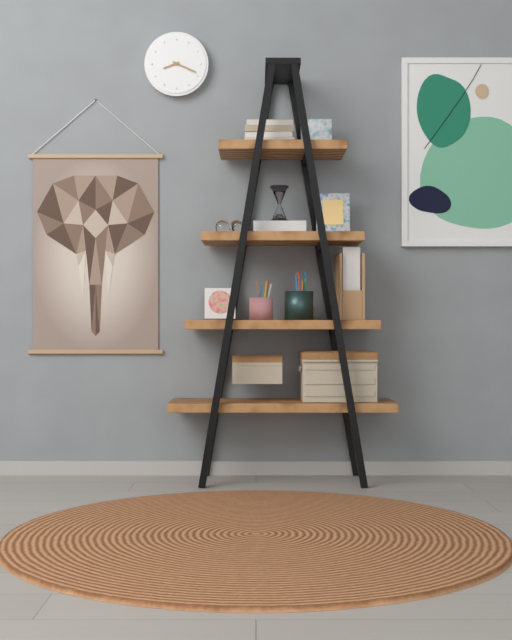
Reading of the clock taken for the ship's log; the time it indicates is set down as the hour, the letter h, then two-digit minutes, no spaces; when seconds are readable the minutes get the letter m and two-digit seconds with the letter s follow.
8h19
